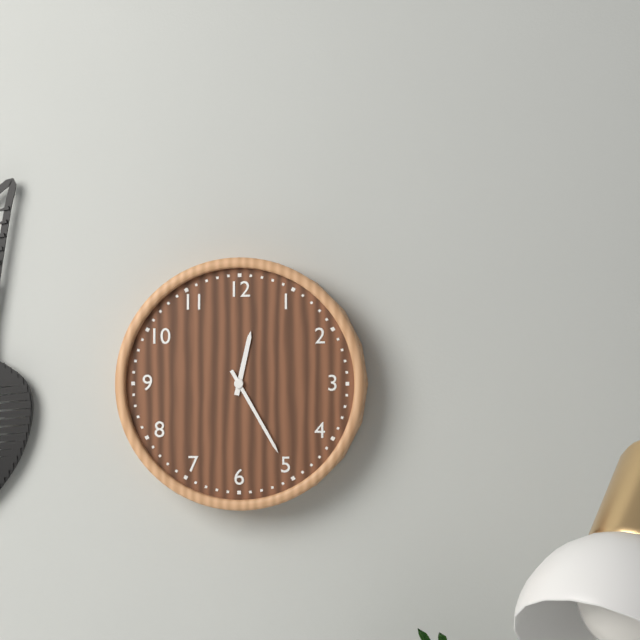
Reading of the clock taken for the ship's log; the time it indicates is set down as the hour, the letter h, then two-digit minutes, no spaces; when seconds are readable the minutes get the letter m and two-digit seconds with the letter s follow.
12h25
